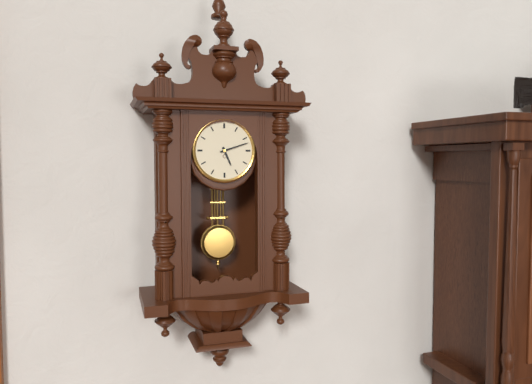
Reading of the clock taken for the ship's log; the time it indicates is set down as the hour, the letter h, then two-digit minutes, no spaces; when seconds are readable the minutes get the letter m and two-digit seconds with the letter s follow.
5h12
